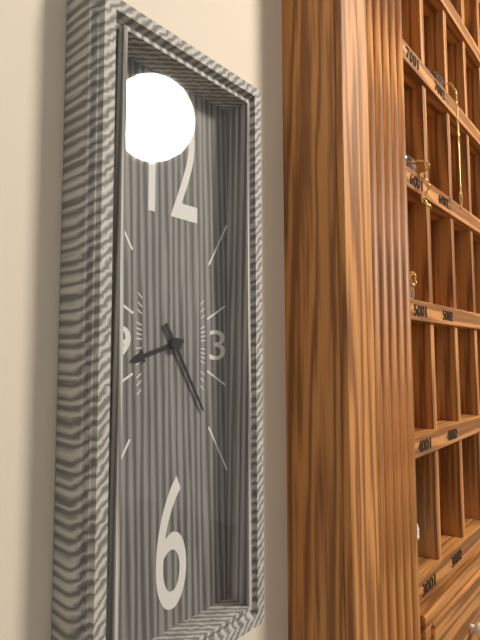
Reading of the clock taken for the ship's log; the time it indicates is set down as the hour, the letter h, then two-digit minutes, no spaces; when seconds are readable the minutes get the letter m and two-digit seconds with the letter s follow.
8h25
